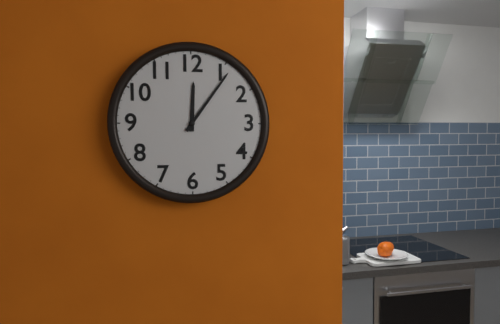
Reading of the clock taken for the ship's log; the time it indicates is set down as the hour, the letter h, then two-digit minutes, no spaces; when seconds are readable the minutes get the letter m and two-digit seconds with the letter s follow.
12h06
